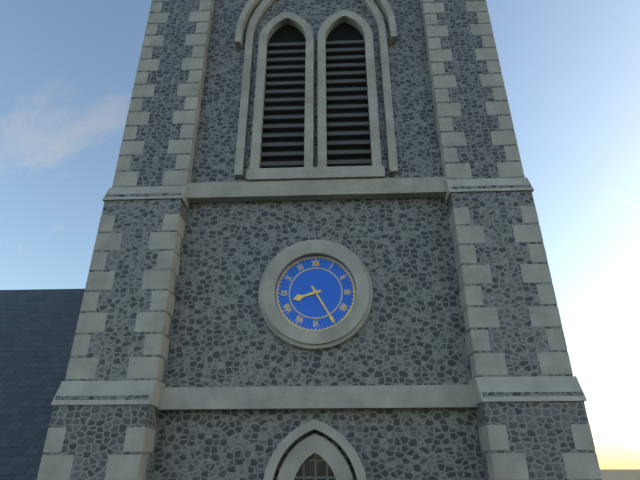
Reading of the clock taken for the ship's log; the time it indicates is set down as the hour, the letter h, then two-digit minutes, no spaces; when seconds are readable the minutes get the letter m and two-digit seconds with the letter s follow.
8h25
